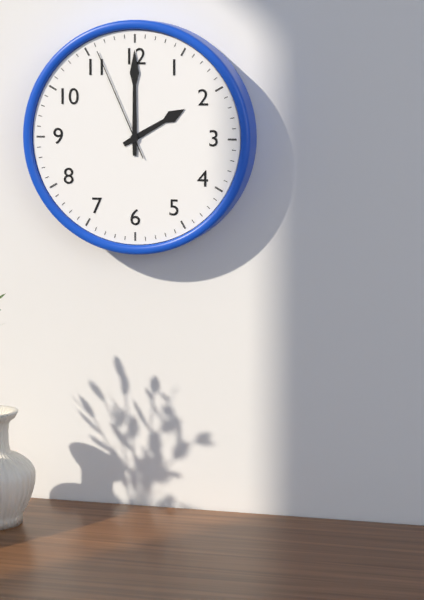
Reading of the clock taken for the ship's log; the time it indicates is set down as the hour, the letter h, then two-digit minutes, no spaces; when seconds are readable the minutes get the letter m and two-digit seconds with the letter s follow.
2h00m56s
